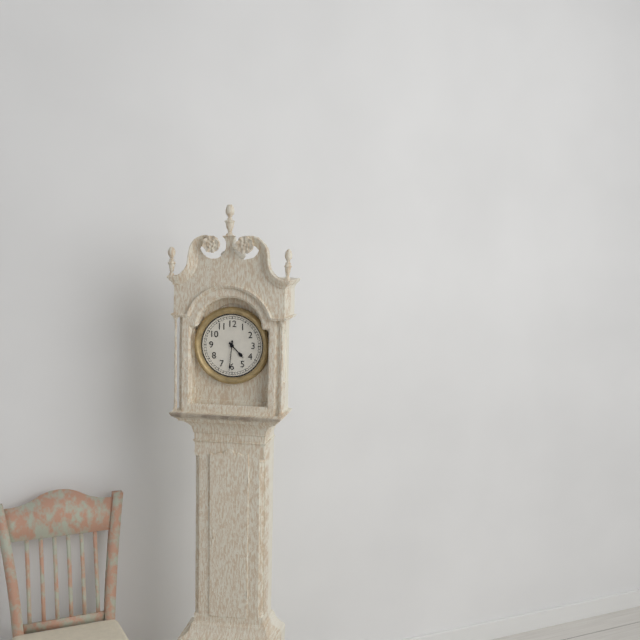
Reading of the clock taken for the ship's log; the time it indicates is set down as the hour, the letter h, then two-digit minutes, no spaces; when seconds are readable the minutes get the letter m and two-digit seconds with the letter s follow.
4h31
